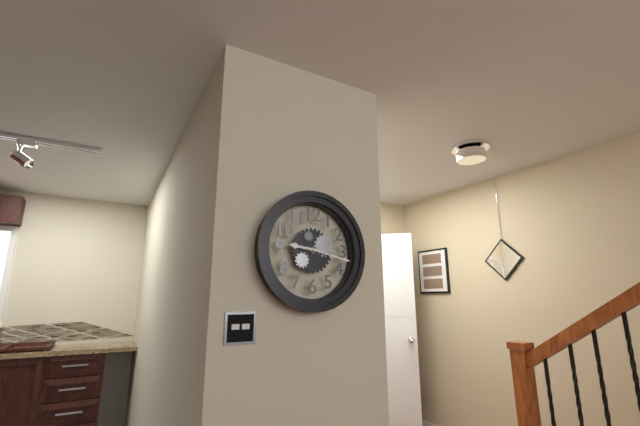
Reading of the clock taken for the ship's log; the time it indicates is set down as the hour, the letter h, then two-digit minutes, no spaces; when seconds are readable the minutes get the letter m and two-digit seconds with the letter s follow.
9h17
